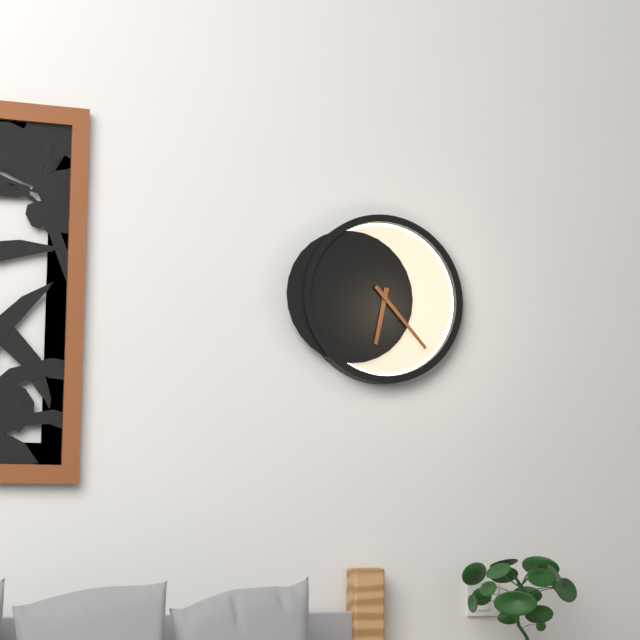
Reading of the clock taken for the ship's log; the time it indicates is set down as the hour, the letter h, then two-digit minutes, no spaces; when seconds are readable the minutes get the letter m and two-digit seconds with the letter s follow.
6h23
